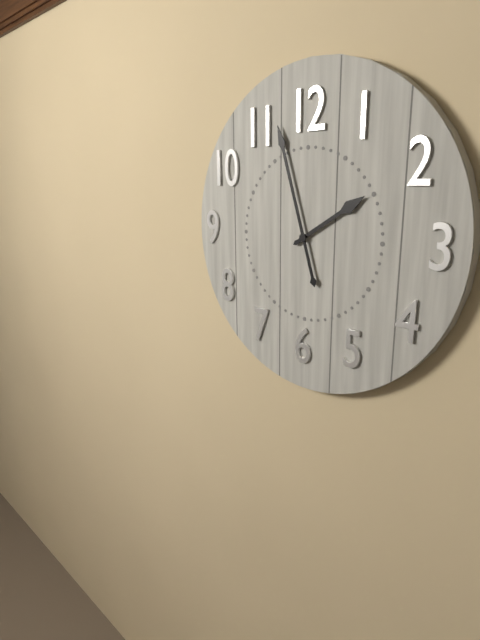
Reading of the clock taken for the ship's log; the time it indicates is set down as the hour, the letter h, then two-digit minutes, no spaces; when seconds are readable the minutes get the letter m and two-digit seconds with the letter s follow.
1h57
